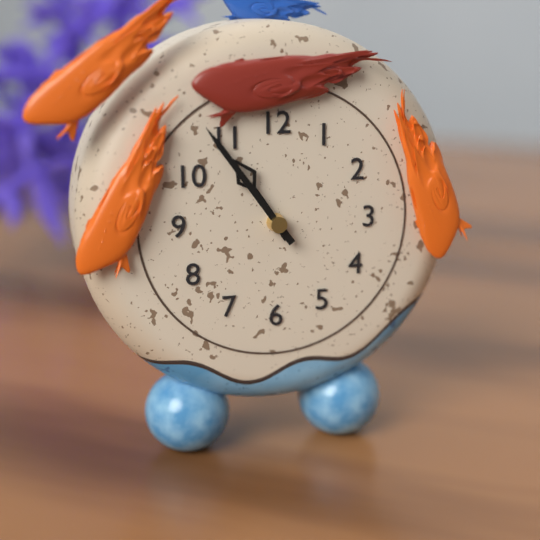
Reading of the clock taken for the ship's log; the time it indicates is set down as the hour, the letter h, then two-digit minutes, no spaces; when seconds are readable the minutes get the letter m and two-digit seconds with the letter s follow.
10h54
